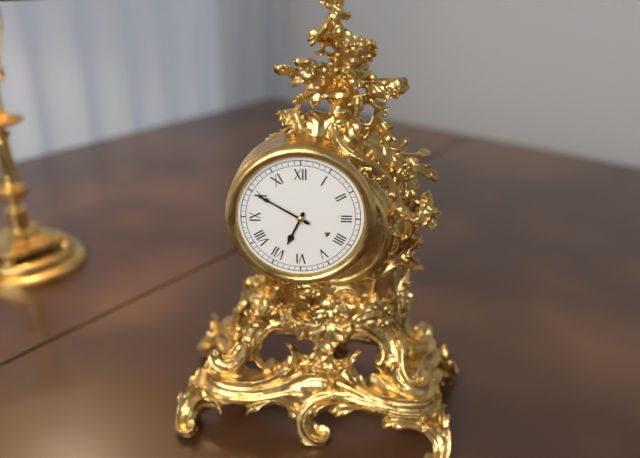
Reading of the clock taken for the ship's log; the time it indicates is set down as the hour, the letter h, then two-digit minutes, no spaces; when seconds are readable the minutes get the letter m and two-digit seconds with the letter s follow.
6h50
